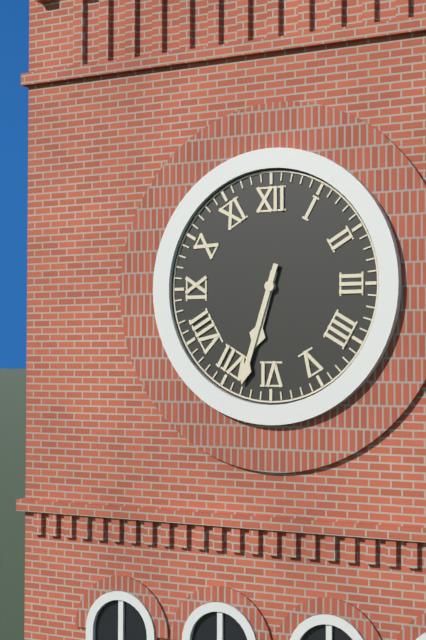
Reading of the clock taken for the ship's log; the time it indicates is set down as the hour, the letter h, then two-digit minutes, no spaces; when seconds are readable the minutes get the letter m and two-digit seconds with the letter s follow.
6h33
